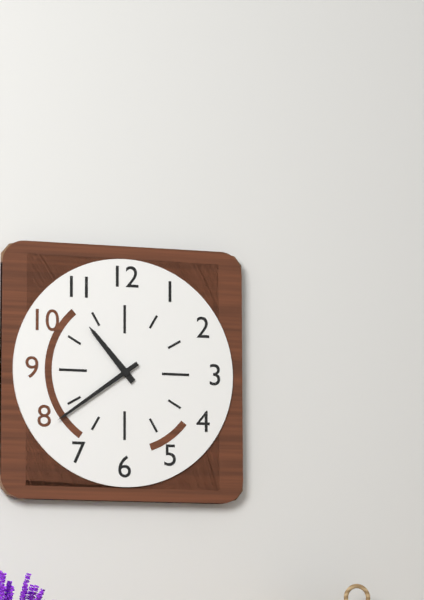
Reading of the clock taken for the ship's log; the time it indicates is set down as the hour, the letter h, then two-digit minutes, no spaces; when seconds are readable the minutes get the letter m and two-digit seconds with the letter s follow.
10h39
